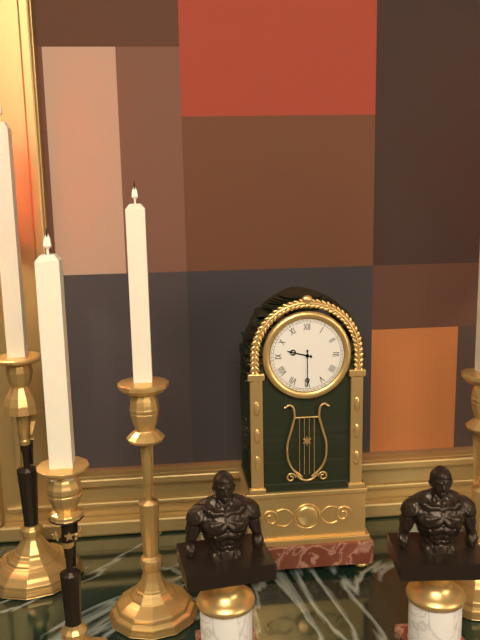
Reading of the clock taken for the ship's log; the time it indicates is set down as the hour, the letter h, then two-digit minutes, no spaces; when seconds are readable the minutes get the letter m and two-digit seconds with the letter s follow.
9h30
